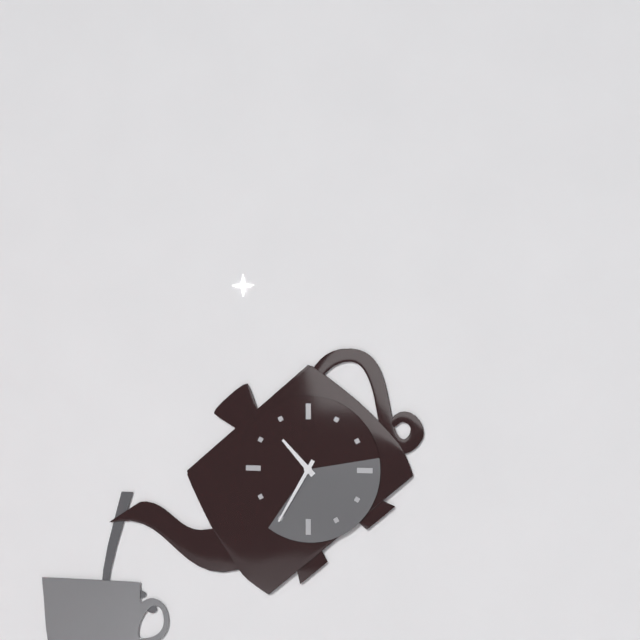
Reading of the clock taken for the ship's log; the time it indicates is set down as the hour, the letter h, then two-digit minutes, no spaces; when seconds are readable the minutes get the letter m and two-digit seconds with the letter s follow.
10h35
